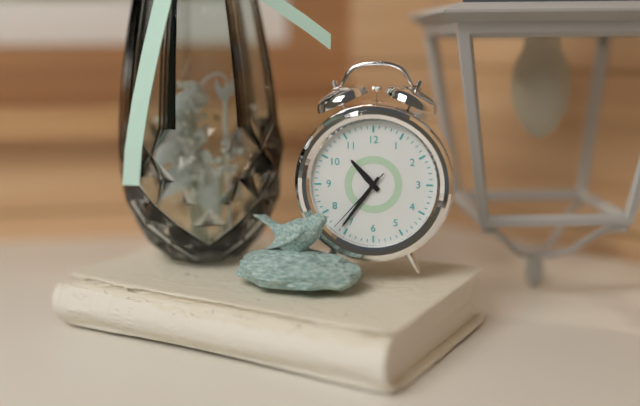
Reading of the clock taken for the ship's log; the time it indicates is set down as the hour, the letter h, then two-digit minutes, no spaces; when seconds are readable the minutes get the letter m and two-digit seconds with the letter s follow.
10h36m37s
